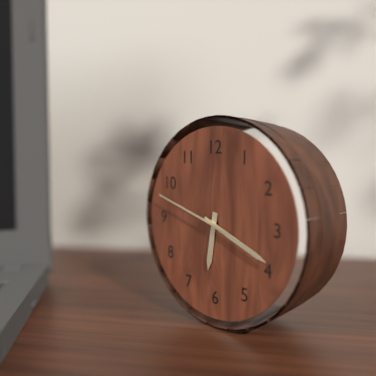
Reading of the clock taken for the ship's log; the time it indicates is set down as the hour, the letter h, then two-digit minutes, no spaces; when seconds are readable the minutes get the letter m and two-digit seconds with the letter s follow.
6h19m48s
